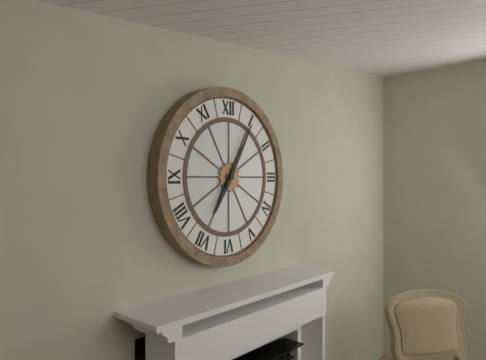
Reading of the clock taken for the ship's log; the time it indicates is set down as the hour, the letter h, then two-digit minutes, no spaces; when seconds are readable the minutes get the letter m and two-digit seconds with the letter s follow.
7h05
